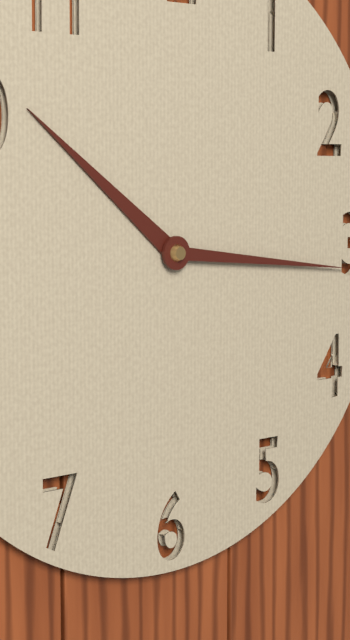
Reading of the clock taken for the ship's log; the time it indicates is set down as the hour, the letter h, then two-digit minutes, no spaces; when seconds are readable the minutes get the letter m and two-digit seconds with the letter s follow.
10h16
